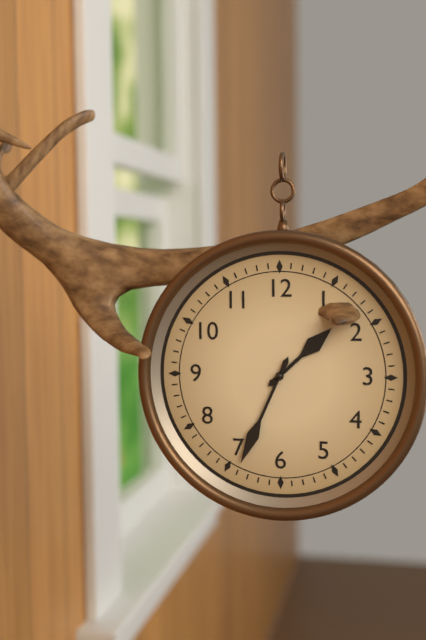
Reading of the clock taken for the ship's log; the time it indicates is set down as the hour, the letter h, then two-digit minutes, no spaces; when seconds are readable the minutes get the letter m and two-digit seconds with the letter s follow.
1h34
